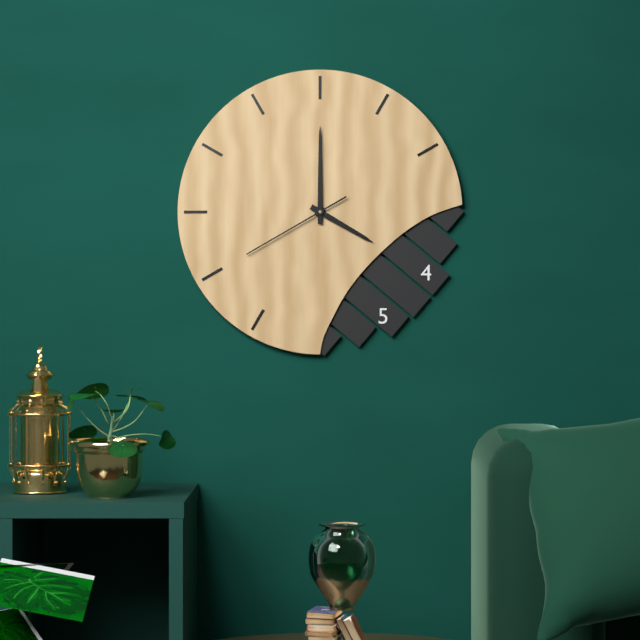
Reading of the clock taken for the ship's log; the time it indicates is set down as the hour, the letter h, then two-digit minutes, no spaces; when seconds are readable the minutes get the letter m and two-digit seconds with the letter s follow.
4h00m40s
